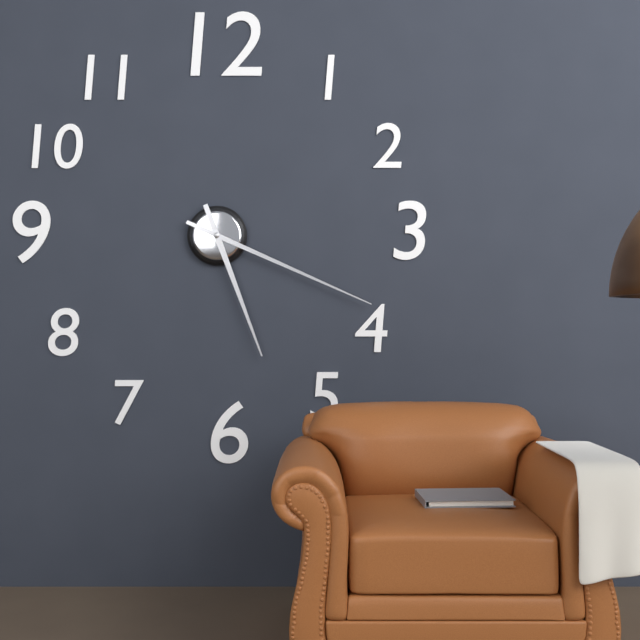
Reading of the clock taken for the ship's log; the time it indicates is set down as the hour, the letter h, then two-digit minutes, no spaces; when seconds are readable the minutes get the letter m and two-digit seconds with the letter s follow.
5h19
